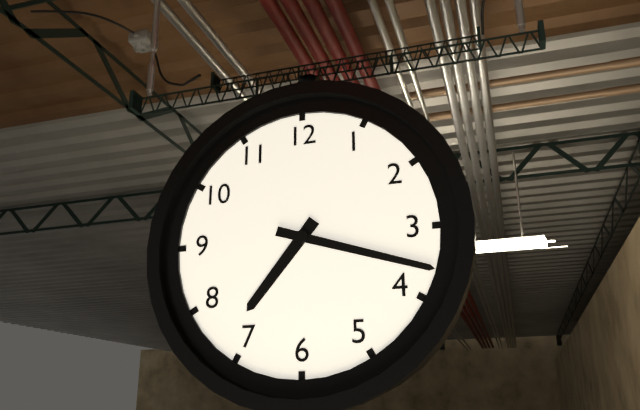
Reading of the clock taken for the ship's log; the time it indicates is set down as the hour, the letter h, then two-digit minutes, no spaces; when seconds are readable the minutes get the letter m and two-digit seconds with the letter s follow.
7h18
